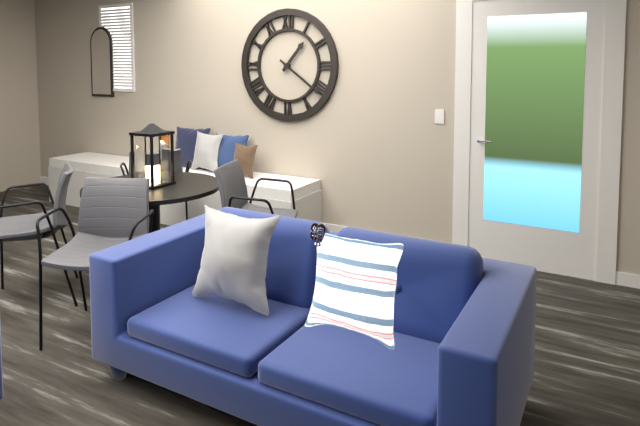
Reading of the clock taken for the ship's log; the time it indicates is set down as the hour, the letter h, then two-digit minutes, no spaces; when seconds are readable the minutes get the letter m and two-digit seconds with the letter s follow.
1h21
